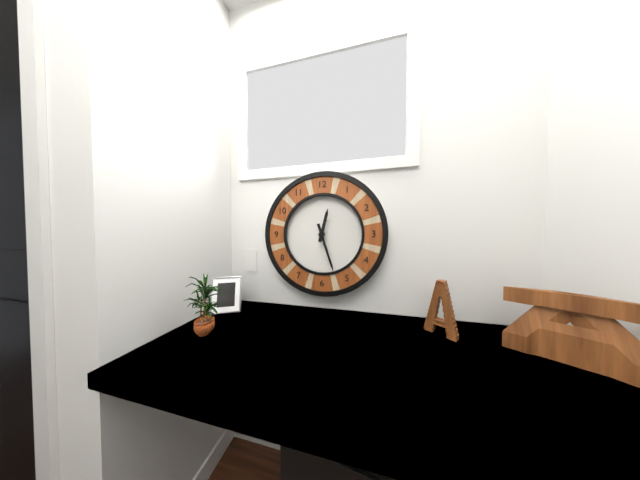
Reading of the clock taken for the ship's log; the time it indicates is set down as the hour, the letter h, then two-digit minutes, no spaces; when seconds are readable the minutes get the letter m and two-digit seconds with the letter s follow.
12h27
